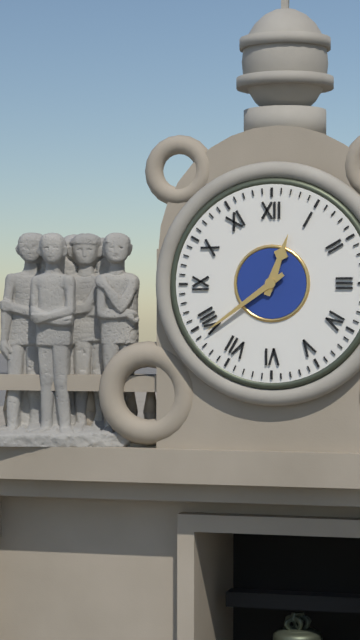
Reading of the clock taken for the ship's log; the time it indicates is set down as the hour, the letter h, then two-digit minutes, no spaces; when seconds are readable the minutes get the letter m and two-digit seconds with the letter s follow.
12h39
